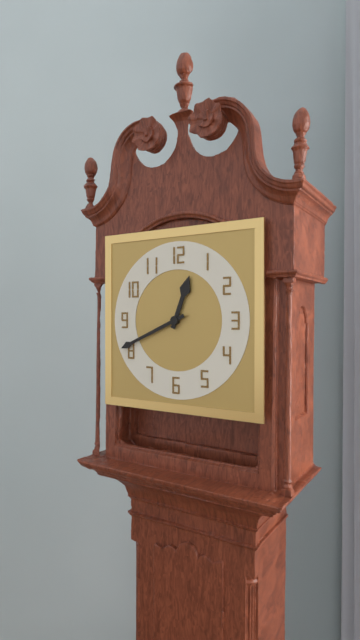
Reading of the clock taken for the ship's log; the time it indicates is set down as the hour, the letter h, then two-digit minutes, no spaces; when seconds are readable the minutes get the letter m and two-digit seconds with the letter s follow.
12h41
